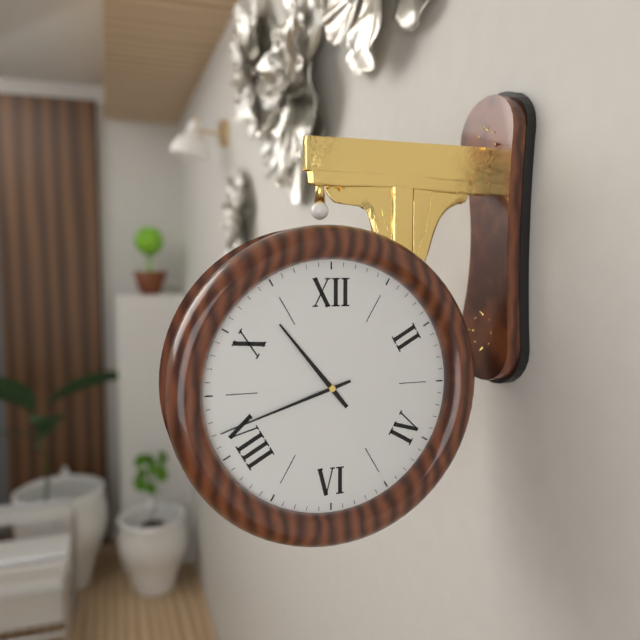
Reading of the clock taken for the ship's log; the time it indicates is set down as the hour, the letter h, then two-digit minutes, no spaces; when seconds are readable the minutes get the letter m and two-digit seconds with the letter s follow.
10h42
